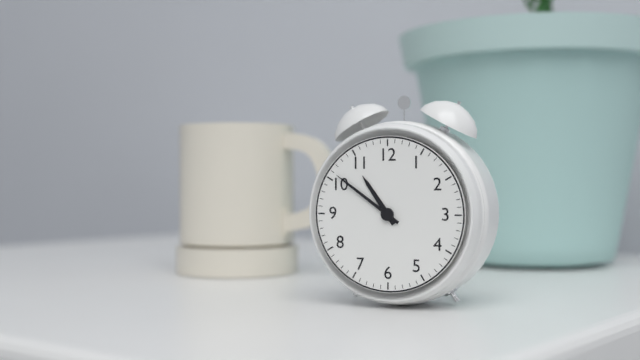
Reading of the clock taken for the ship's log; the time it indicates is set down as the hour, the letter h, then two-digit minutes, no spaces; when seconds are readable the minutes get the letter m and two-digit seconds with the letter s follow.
10h51
